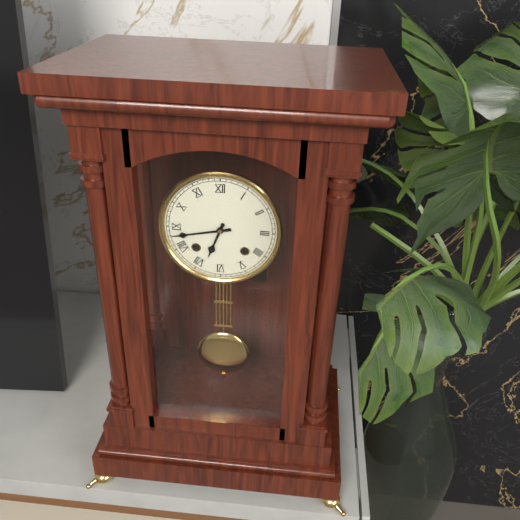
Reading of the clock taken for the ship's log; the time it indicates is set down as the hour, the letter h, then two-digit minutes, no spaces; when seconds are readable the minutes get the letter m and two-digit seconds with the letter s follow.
6h43
